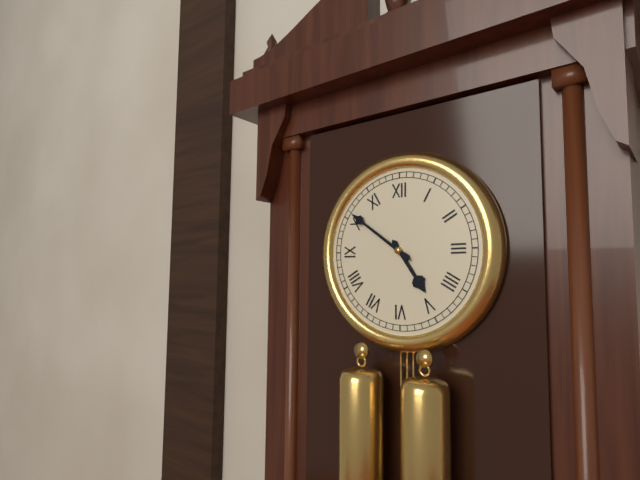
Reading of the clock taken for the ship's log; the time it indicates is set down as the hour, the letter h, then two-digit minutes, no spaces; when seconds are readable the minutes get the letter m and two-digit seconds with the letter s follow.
4h51
